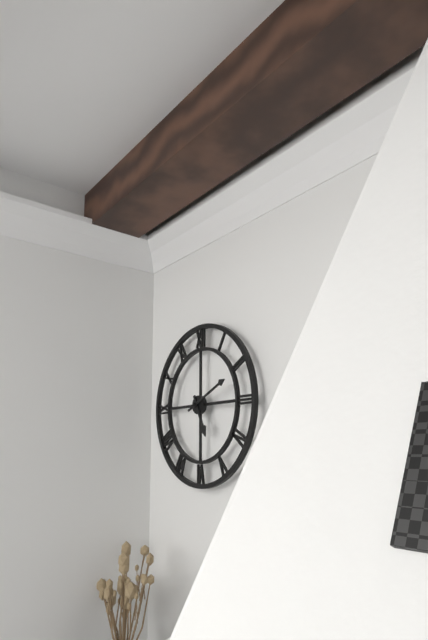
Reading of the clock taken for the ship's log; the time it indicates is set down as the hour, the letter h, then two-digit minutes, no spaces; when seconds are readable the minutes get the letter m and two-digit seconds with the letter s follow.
5h11
